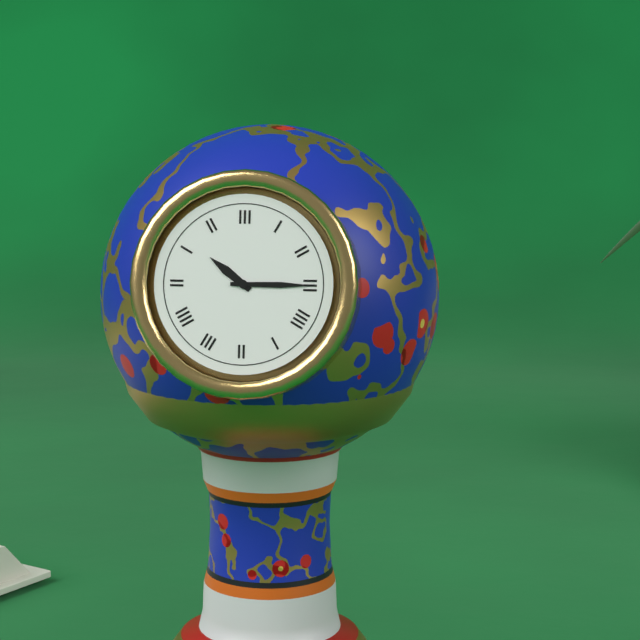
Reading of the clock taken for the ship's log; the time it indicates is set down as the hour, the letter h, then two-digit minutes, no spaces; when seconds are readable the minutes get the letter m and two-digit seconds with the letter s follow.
10h15
